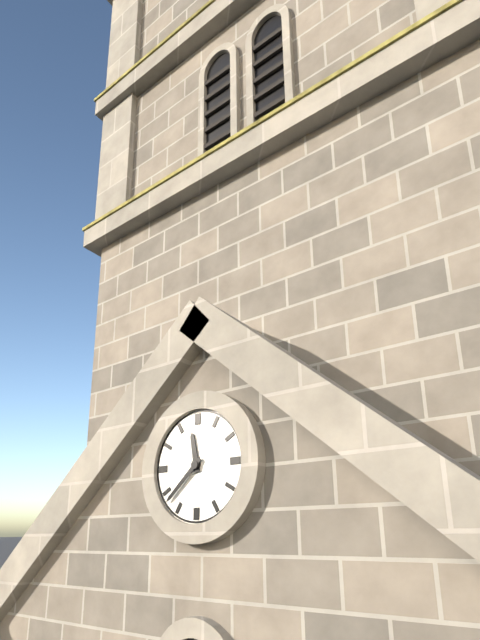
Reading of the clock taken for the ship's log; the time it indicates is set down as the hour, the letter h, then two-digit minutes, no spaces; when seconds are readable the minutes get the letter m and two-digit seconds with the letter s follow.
11h38
